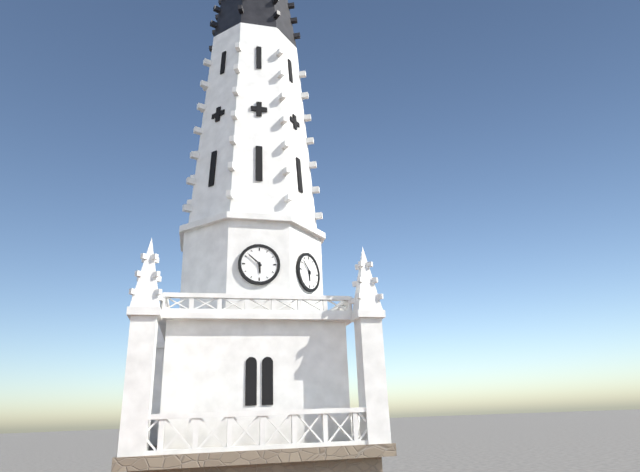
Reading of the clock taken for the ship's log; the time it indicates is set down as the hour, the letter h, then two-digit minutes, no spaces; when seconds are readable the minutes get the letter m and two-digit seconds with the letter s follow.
5h52
